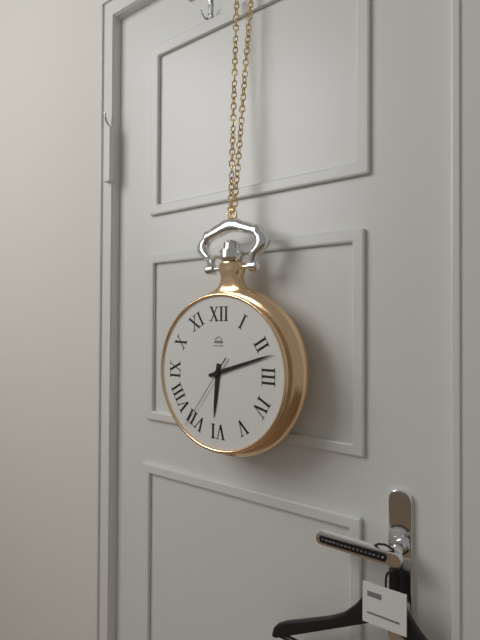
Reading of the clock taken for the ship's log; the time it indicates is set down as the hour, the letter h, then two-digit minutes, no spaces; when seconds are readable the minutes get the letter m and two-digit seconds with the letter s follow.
6h12m36s
